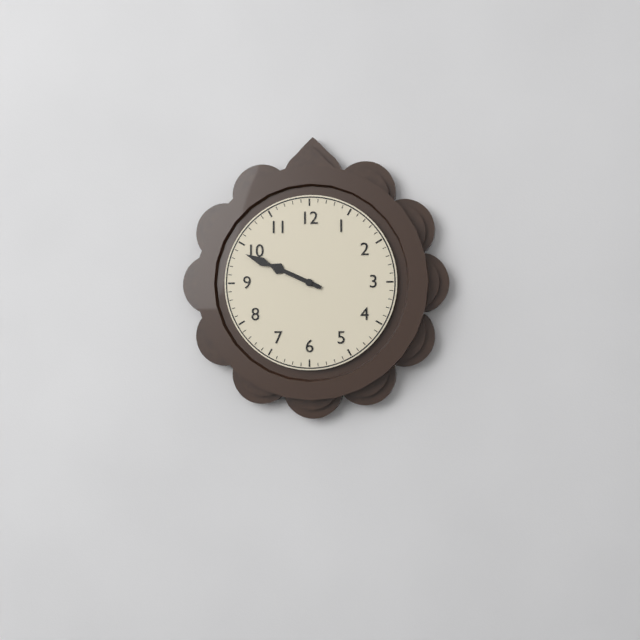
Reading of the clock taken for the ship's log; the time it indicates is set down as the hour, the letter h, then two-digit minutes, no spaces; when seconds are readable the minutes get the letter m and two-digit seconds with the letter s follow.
9h49
